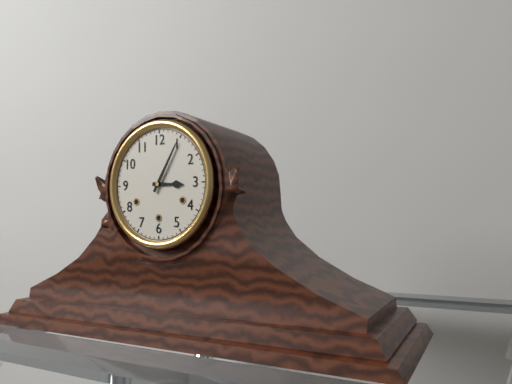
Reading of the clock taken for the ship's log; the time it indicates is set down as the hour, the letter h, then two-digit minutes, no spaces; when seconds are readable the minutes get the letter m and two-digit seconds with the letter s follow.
3h05
